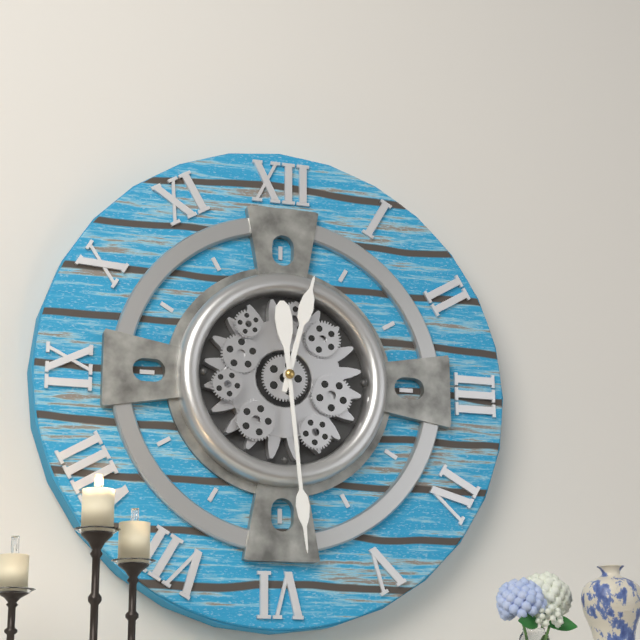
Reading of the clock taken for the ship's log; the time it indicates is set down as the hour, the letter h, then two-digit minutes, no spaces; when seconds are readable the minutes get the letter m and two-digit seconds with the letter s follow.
12h29
